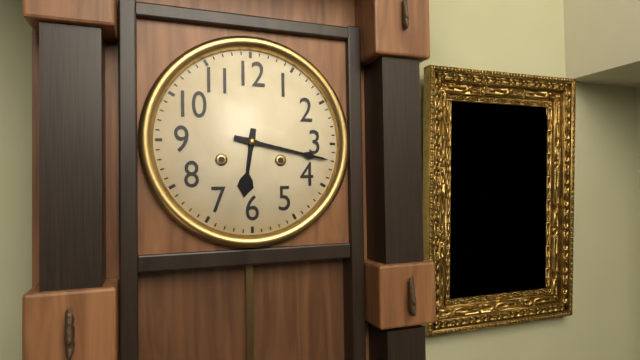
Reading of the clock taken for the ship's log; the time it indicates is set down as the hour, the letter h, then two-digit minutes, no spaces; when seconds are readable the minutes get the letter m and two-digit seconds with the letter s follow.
6h17
